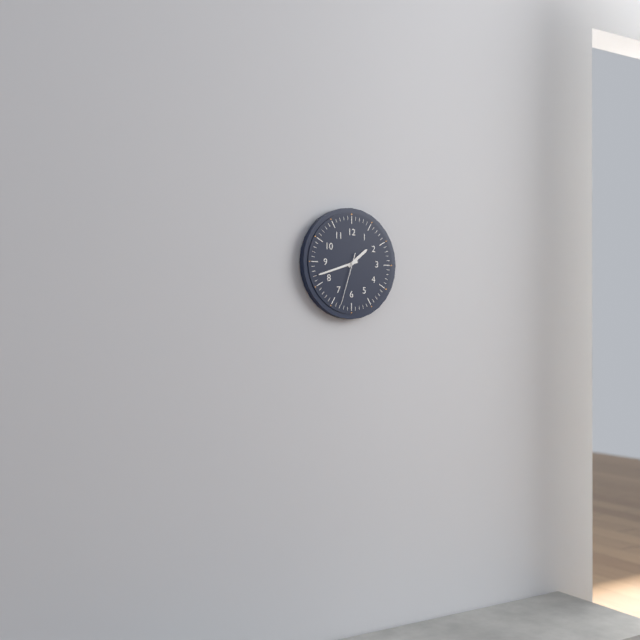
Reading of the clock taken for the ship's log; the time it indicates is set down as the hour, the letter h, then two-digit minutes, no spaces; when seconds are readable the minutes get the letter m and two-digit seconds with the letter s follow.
1h42m33s
